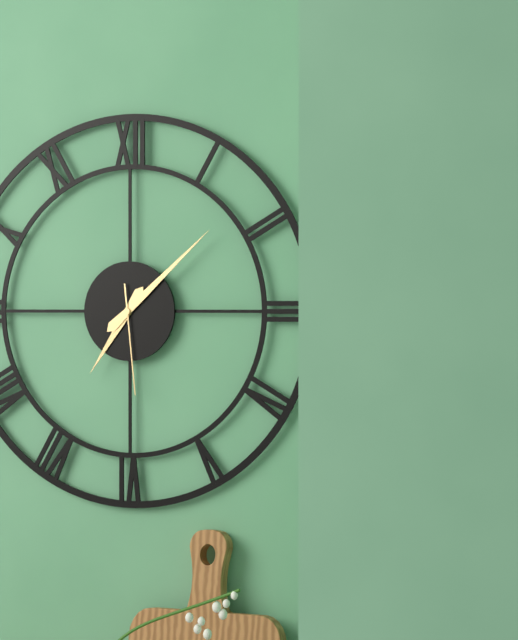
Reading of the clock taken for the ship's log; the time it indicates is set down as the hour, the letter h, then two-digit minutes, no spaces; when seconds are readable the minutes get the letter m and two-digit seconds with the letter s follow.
7h08m29s
